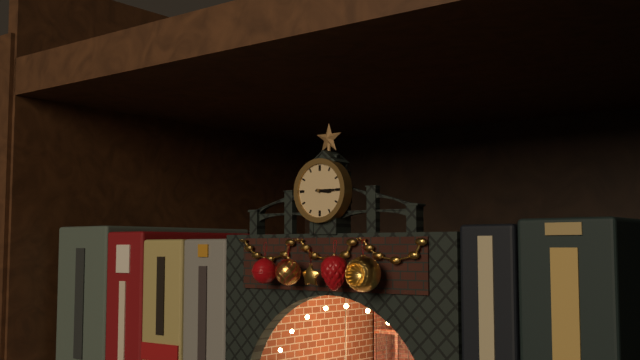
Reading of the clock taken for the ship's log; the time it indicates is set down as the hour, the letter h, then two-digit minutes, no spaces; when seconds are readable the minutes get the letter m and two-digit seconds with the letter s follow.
3h15
